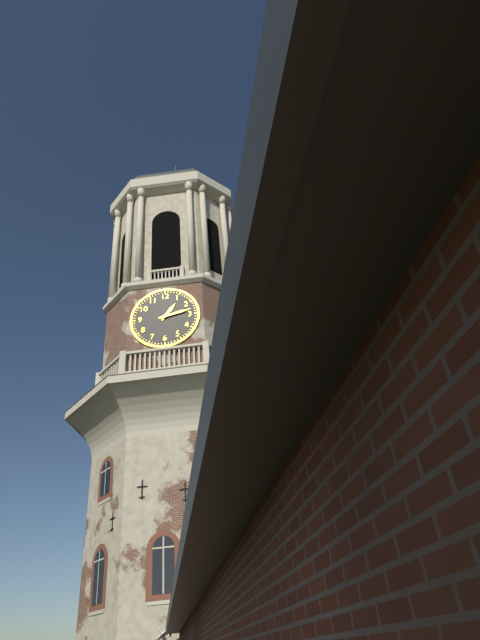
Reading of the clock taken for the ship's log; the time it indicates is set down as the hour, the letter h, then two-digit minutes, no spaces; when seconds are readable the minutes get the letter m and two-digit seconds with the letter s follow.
1h13
